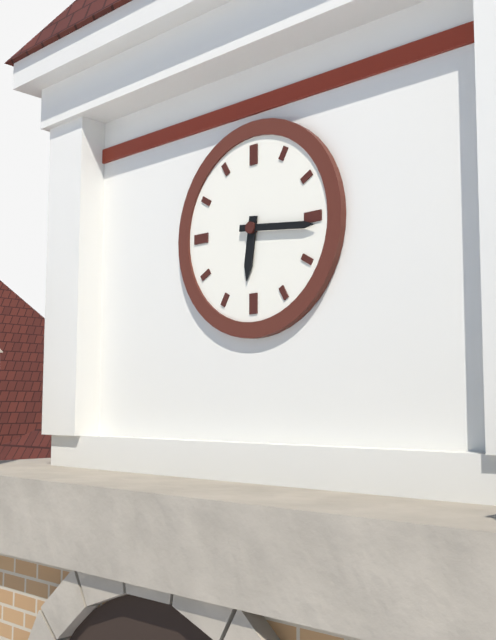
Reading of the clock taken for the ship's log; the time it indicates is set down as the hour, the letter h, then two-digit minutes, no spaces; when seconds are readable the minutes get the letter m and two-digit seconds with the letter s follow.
6h16
